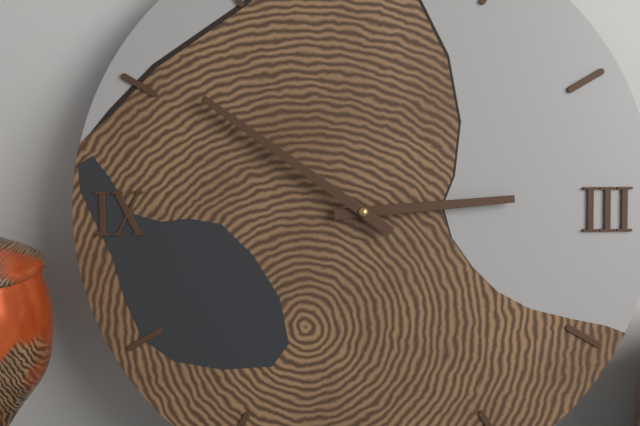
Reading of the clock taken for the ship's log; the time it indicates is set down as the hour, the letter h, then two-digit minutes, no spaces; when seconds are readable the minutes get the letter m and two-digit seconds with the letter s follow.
2h51
